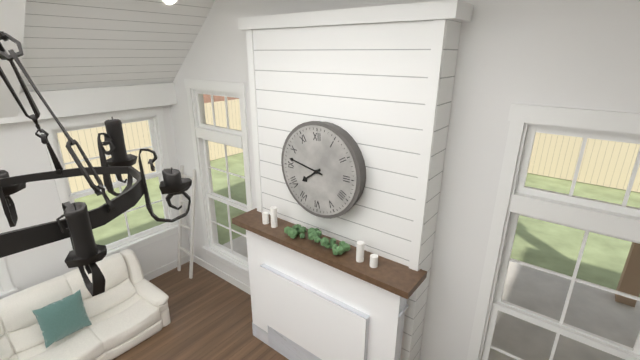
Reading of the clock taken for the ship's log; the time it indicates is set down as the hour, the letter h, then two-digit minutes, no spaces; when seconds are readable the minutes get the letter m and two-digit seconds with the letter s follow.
7h47
